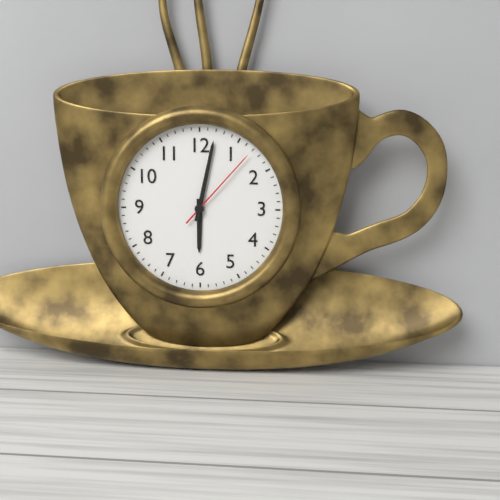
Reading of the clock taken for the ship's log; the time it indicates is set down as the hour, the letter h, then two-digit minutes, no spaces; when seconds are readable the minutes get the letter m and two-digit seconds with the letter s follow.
6h02m07s
